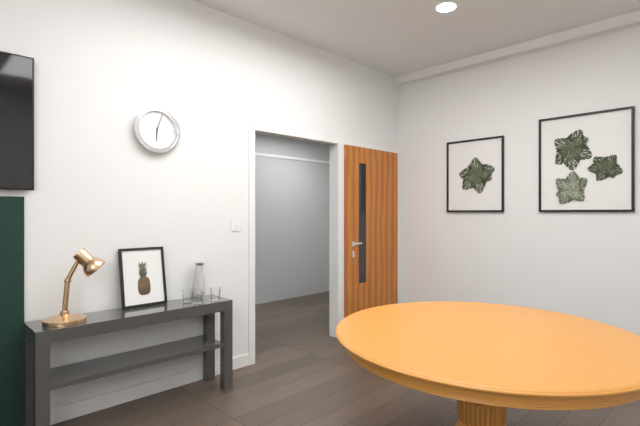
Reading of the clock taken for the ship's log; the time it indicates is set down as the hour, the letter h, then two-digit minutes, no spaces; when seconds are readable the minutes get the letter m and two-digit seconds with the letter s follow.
6h03
